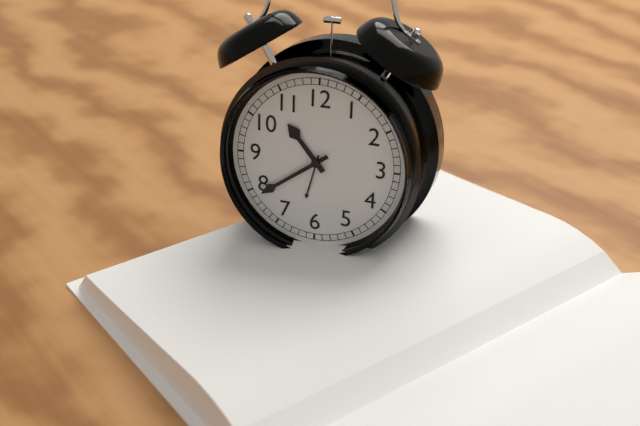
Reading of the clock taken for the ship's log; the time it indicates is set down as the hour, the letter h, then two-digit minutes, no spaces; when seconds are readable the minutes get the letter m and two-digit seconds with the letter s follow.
10h39
